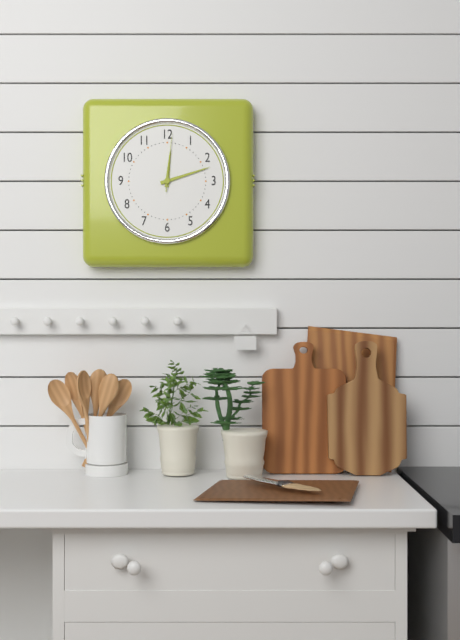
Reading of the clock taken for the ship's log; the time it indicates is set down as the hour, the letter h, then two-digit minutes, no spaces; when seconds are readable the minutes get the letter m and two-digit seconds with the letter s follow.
12h12m01s
